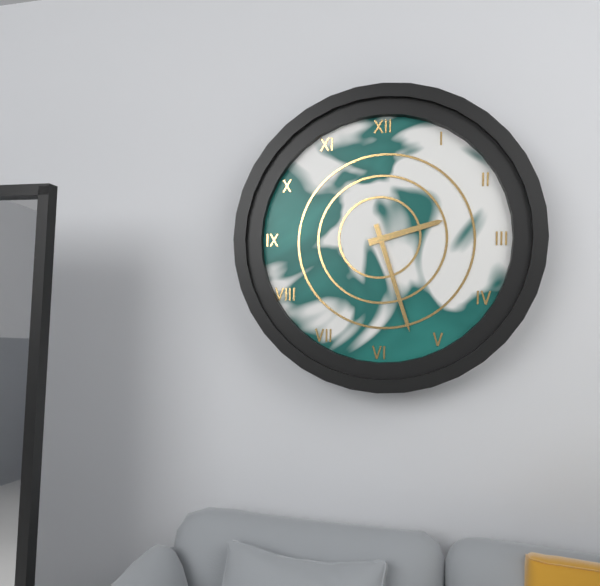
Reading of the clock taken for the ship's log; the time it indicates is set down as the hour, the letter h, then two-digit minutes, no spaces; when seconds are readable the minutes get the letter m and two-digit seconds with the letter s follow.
2h27
